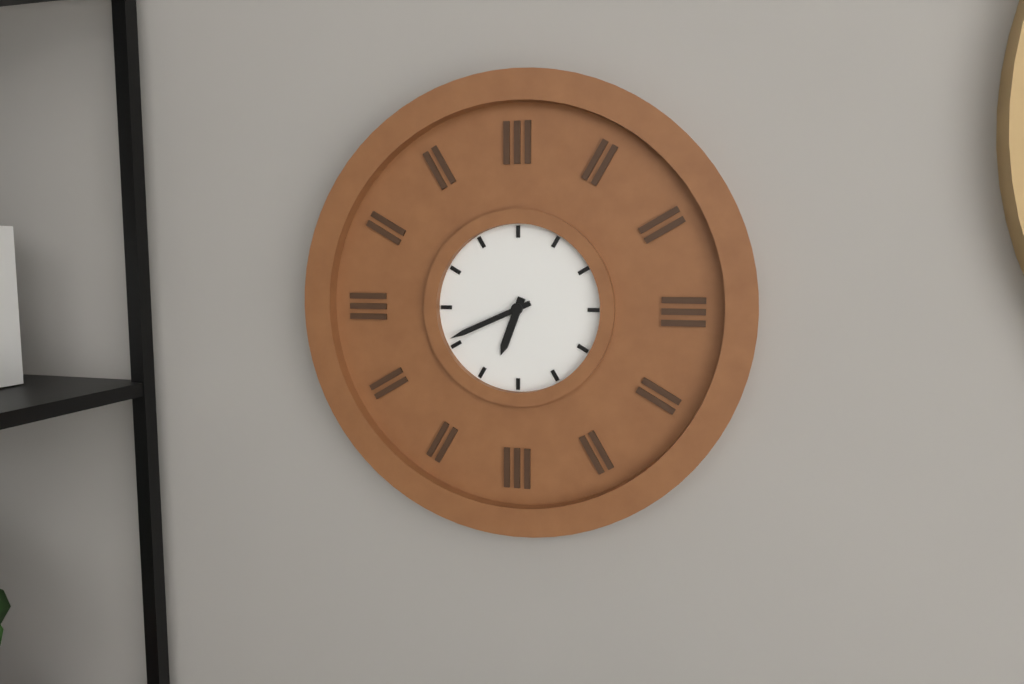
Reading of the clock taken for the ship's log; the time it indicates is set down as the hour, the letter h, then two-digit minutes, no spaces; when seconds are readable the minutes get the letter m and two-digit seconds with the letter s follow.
6h41
